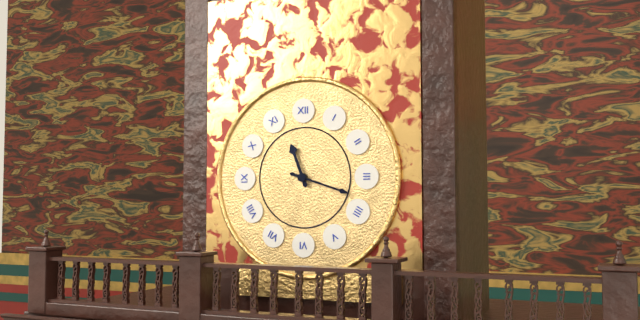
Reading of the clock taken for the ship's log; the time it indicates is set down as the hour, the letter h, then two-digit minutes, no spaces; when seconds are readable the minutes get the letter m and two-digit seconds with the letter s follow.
11h18
